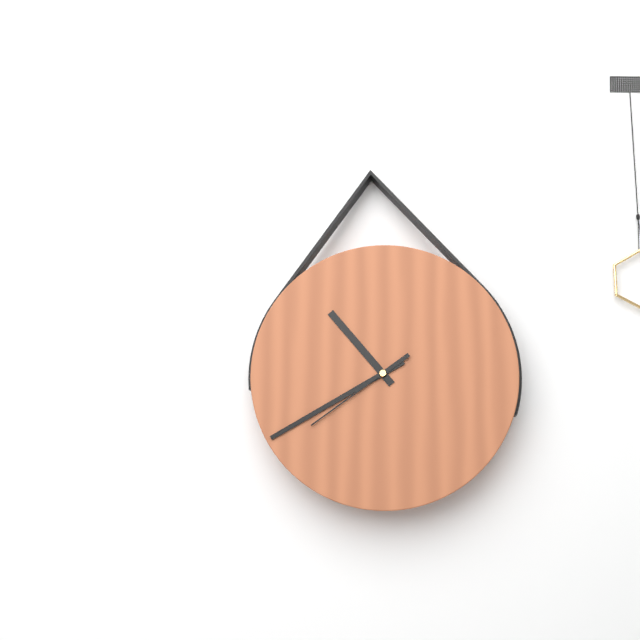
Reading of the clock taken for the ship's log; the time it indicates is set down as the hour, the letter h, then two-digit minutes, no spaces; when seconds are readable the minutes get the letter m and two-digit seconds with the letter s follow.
10h40m39s
